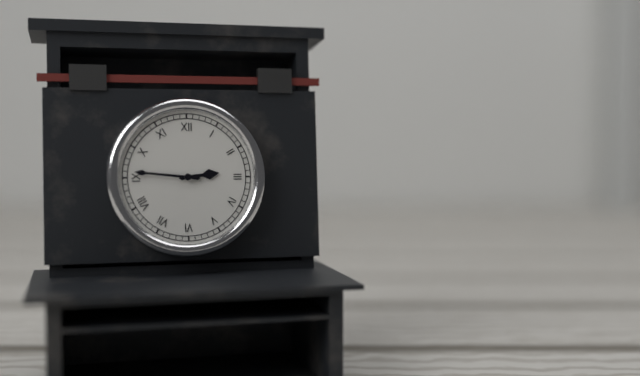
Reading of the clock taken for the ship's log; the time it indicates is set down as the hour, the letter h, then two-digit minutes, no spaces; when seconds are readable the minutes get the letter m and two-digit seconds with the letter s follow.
2h46
